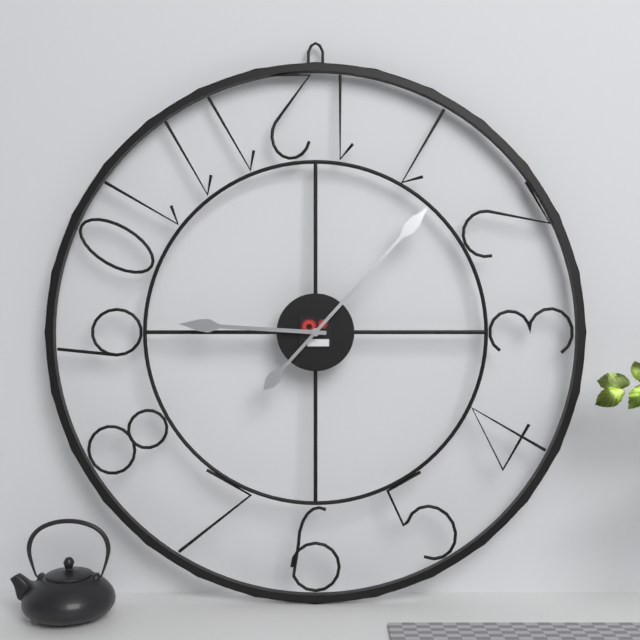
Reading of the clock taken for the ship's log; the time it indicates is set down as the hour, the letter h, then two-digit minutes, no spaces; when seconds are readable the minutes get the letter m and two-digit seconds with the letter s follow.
9h07
